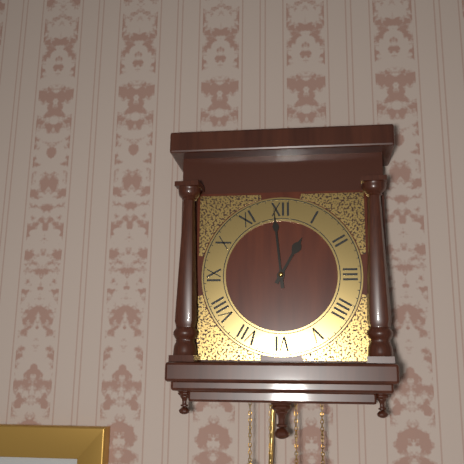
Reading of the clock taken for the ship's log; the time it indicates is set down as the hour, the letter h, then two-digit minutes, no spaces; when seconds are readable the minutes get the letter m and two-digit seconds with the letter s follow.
12h59
